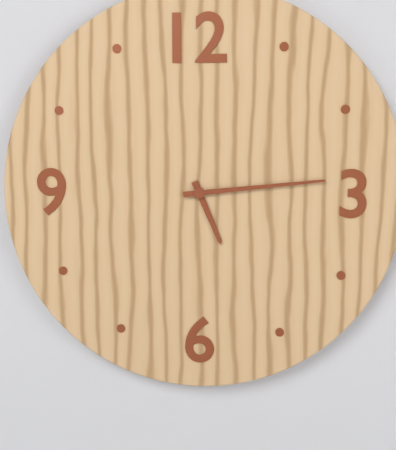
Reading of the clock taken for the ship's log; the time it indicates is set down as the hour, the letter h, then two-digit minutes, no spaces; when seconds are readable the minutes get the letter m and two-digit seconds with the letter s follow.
5h14
